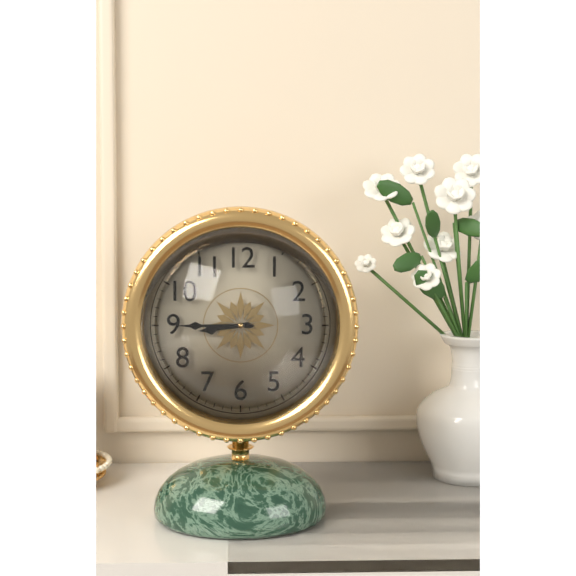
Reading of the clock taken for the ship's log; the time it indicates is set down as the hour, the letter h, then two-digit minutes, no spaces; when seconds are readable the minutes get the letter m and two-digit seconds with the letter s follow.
8h45
